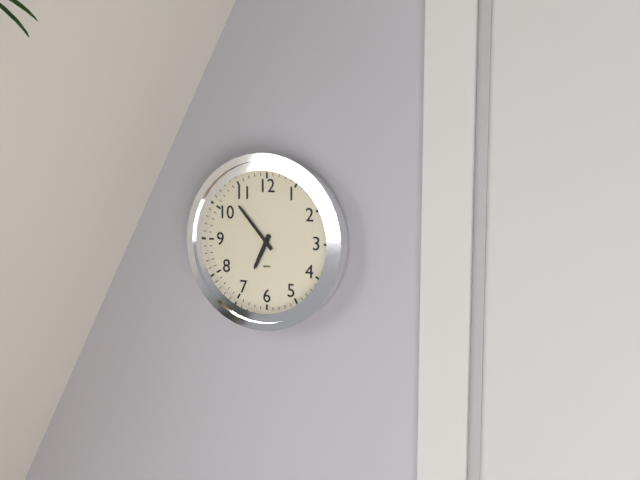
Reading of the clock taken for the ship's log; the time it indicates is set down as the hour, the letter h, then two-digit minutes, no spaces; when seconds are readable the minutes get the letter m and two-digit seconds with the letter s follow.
6h53
